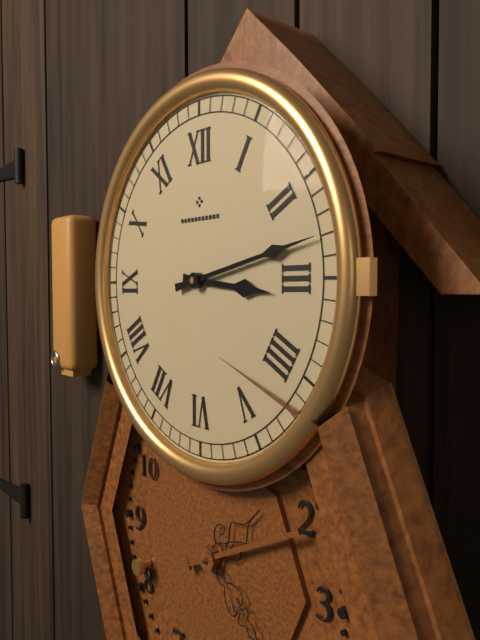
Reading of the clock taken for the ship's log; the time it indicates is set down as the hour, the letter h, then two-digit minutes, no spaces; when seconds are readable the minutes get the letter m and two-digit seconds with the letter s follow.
3h13
